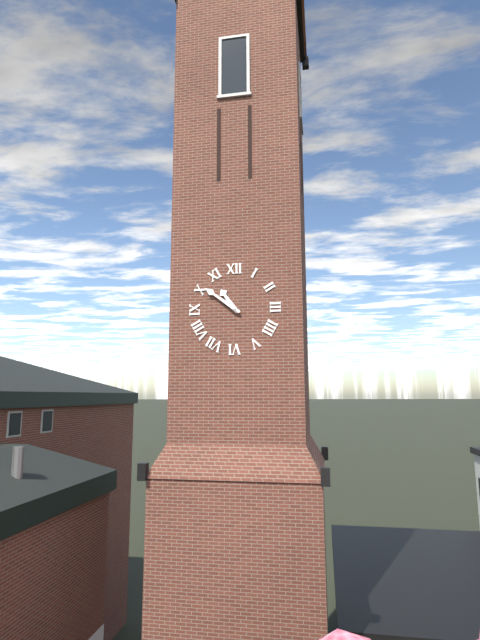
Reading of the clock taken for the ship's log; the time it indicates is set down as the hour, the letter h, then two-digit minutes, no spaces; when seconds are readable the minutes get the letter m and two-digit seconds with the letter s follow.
10h51
